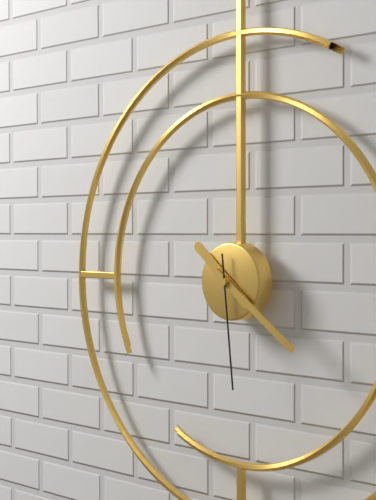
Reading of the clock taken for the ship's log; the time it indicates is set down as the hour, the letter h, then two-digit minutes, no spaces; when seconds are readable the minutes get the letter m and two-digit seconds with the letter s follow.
10h21m29s
